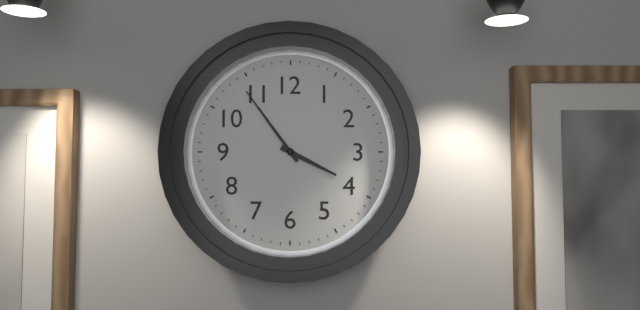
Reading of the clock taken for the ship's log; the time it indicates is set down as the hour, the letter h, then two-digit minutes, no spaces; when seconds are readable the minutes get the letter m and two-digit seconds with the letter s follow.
3h54
